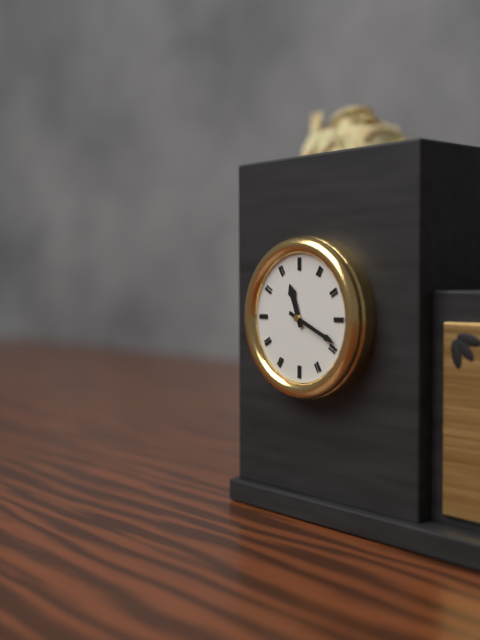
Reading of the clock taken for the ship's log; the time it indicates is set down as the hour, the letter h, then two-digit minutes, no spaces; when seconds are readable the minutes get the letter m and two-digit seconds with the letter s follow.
11h19
